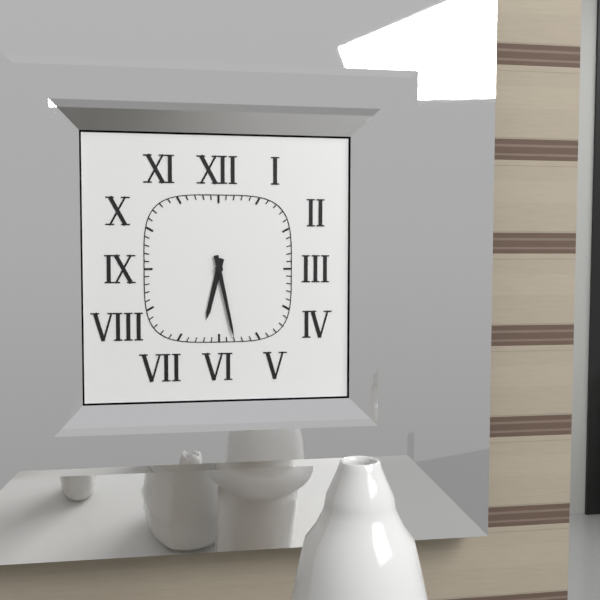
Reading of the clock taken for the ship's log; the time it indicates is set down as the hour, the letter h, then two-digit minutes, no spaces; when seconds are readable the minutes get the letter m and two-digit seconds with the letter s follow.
6h28
